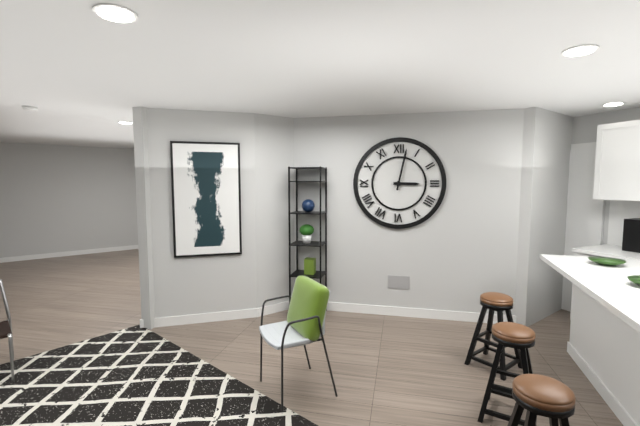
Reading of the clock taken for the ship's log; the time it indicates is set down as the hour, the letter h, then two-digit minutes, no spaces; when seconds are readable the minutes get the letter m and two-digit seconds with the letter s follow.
3h02
